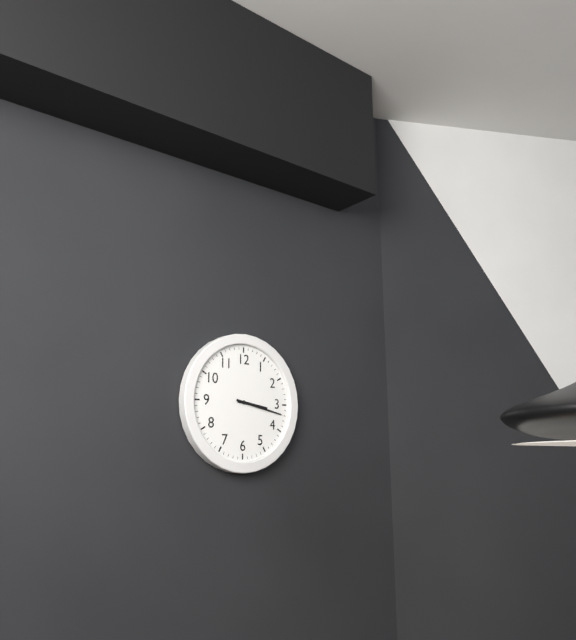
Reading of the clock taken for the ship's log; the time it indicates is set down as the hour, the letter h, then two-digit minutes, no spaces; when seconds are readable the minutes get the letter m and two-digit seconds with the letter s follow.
3h17
